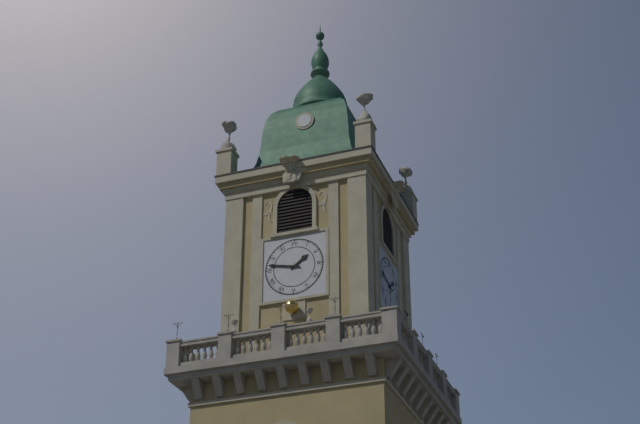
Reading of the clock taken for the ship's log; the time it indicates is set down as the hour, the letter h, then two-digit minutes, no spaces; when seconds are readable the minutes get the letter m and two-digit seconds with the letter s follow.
1h47
